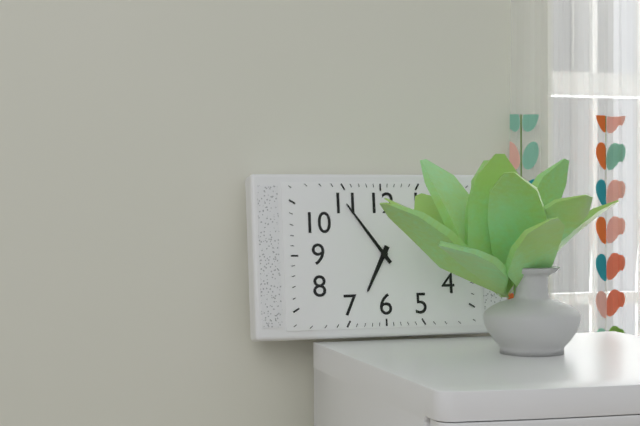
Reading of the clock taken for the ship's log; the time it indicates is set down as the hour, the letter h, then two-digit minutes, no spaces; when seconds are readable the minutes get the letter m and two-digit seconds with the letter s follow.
6h54
